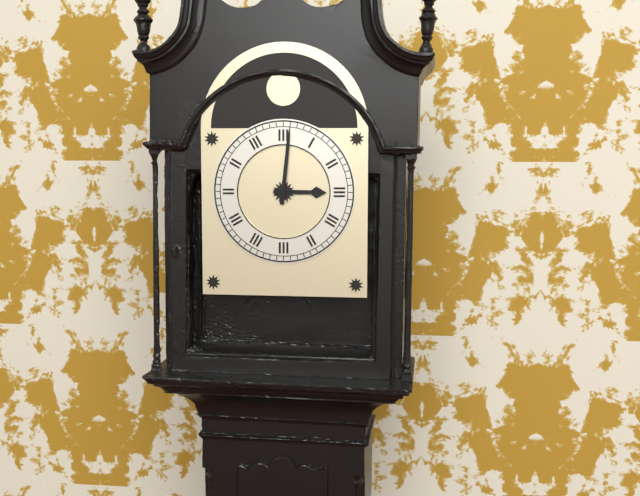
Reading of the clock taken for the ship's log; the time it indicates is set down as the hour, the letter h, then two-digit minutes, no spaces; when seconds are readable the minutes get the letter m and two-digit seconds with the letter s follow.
3h01
